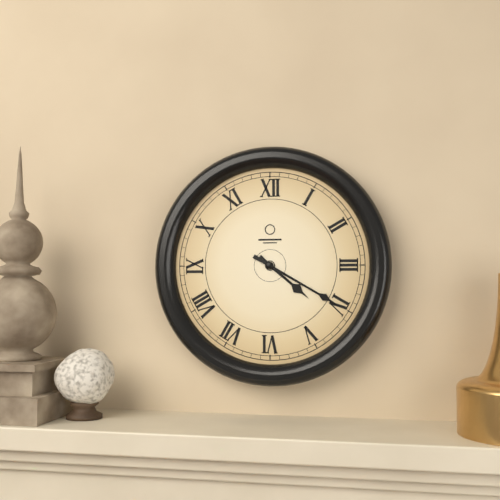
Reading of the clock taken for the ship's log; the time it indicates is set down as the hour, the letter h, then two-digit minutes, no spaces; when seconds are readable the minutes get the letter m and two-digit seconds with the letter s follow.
4h20
